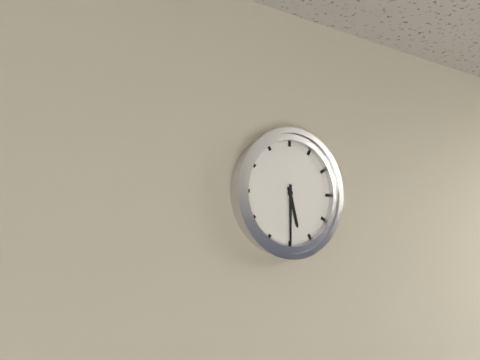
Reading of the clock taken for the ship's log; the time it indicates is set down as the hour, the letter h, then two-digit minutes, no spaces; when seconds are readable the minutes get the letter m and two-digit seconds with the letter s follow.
5h30
